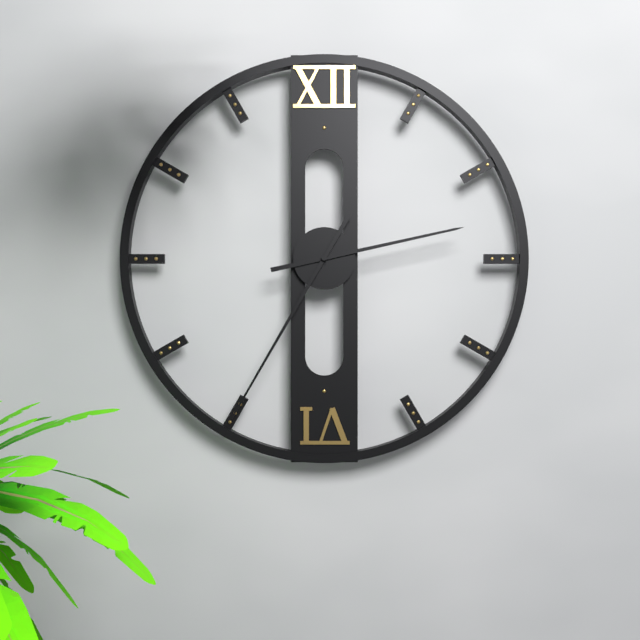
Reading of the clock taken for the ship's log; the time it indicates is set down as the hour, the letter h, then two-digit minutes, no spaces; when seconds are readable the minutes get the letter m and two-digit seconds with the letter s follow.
2h35
